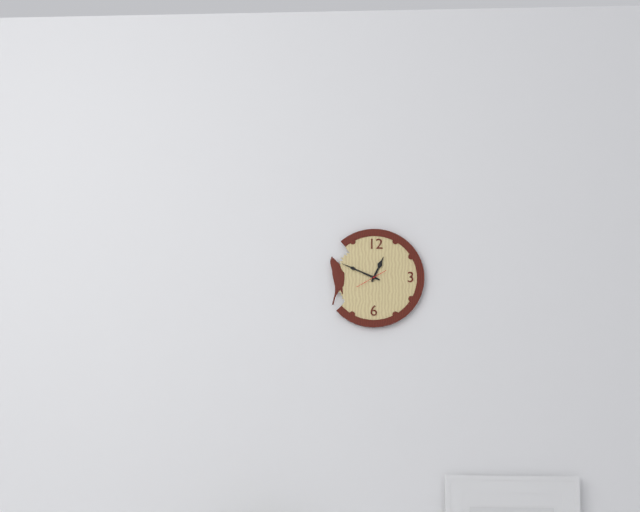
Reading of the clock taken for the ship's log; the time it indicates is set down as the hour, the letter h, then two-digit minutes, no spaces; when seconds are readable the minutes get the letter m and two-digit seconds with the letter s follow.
12h49
